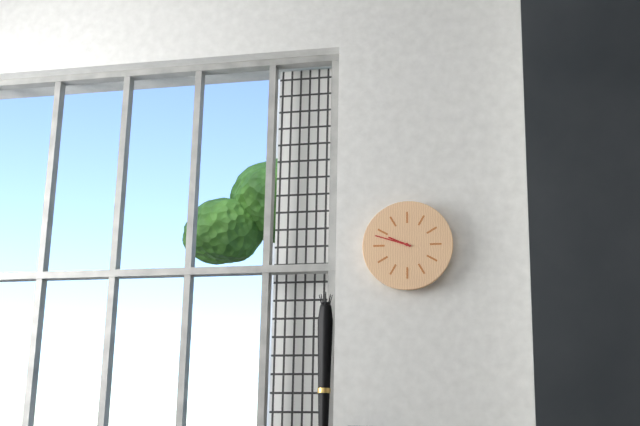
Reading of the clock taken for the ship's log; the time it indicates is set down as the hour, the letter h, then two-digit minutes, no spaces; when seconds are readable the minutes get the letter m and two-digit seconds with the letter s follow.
9h48
